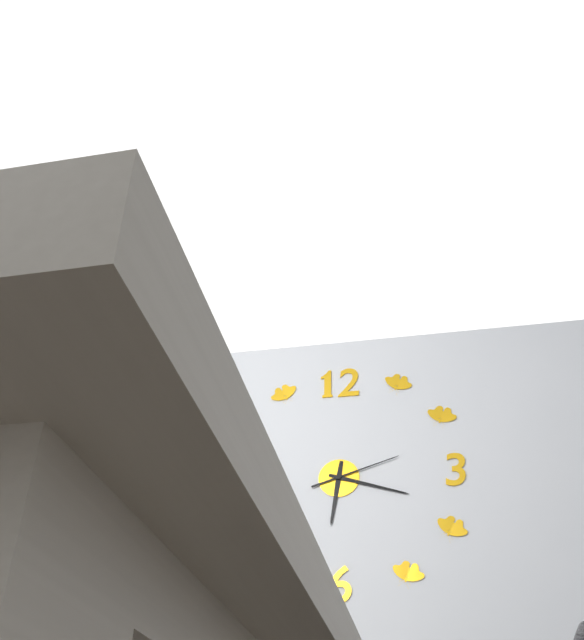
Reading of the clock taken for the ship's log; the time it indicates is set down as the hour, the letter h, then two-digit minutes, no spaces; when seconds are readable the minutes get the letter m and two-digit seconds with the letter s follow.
6h18m12s
